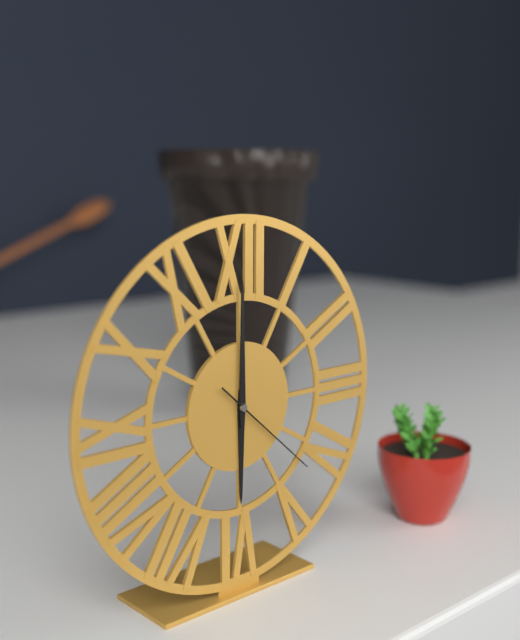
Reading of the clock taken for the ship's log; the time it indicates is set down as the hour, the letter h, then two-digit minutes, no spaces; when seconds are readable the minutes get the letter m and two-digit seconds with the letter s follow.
6h00m22s
